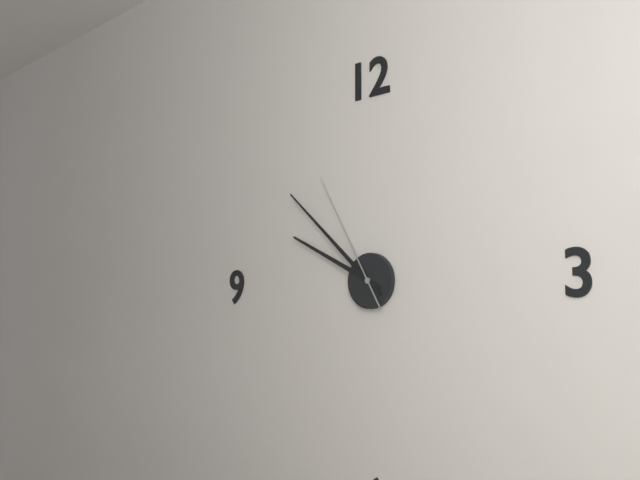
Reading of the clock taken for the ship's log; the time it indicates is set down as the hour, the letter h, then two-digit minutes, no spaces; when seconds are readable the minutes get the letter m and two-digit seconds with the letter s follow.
9h52m55s
